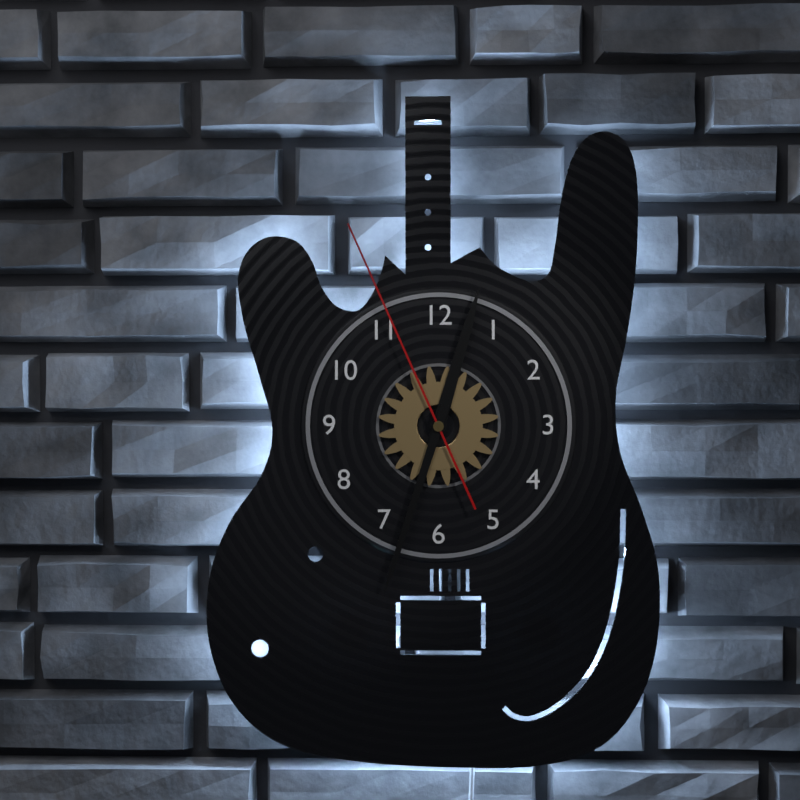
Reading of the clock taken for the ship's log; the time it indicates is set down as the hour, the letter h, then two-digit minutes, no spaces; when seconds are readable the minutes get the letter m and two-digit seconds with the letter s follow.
12h33m56s
